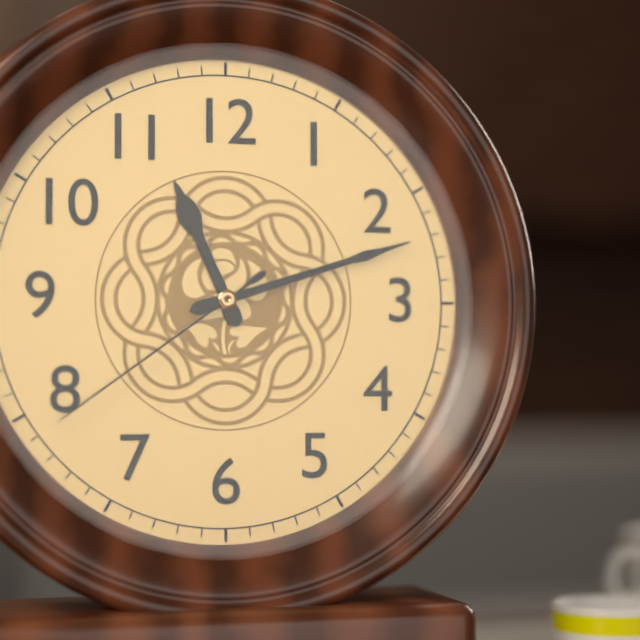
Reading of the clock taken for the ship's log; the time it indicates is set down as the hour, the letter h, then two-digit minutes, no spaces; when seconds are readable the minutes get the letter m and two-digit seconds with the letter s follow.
11h12m39s
